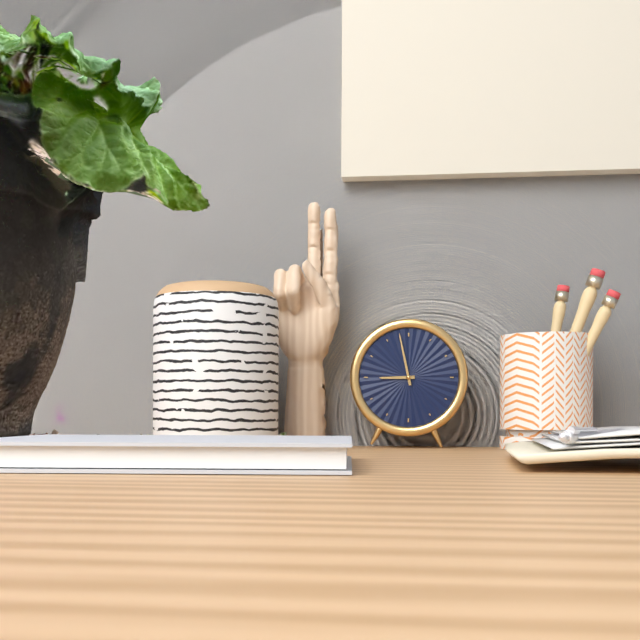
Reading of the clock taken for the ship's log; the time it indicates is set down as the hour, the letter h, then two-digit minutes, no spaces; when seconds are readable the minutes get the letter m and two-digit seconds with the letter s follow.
8h58
